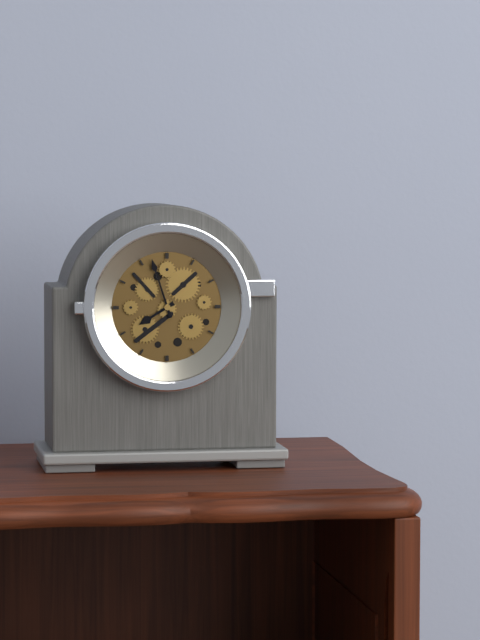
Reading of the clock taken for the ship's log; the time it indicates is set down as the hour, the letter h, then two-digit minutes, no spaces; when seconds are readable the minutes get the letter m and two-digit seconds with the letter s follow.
7h57
